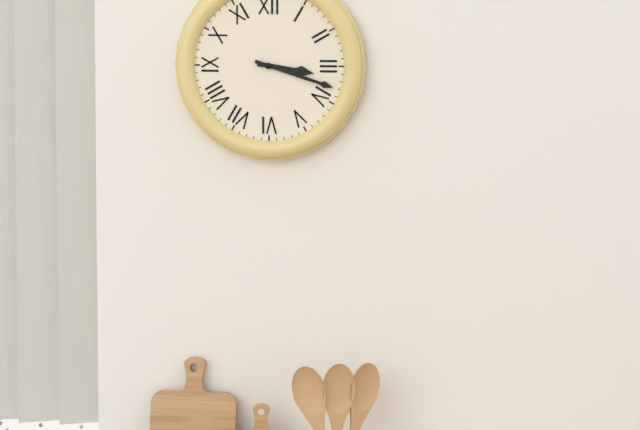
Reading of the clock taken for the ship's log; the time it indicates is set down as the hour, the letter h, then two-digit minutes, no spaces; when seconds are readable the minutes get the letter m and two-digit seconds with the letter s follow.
3h18
